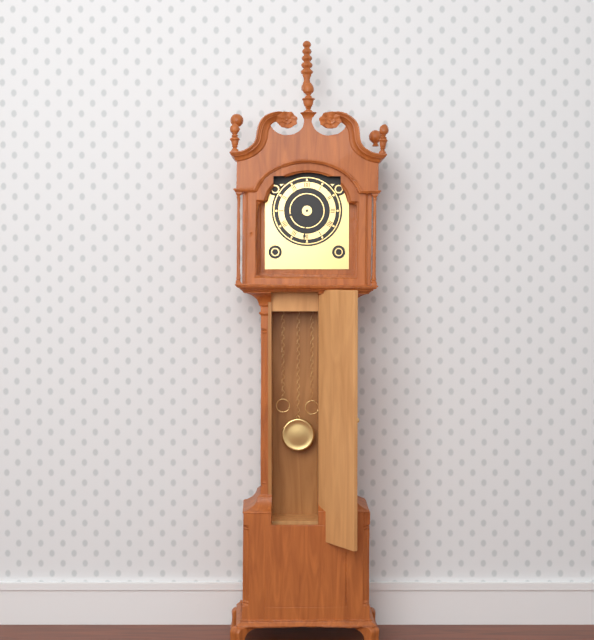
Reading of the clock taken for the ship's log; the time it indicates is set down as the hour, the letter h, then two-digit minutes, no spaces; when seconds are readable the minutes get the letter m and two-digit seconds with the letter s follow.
8h31
